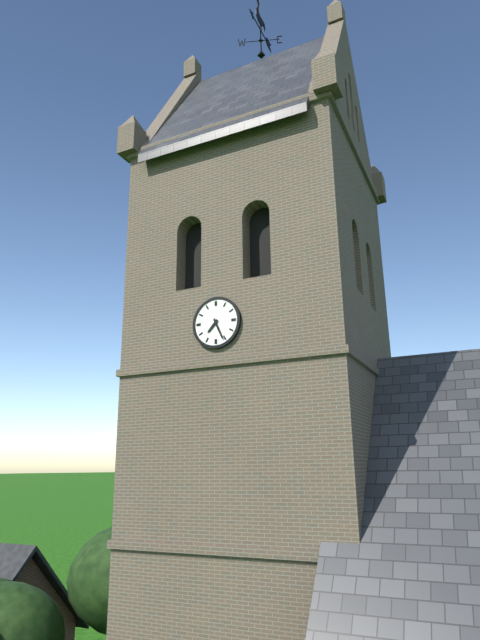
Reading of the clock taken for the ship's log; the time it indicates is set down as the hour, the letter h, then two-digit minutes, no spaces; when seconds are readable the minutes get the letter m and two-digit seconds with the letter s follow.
7h26
